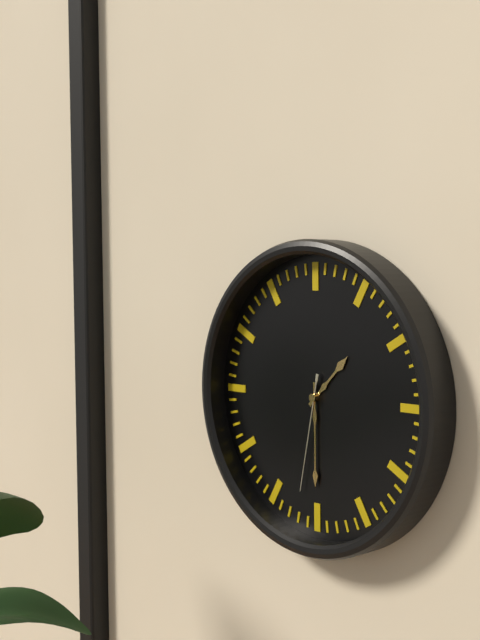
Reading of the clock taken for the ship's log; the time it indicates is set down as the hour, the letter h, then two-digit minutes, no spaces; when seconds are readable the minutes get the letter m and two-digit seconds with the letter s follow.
1h30m32s
